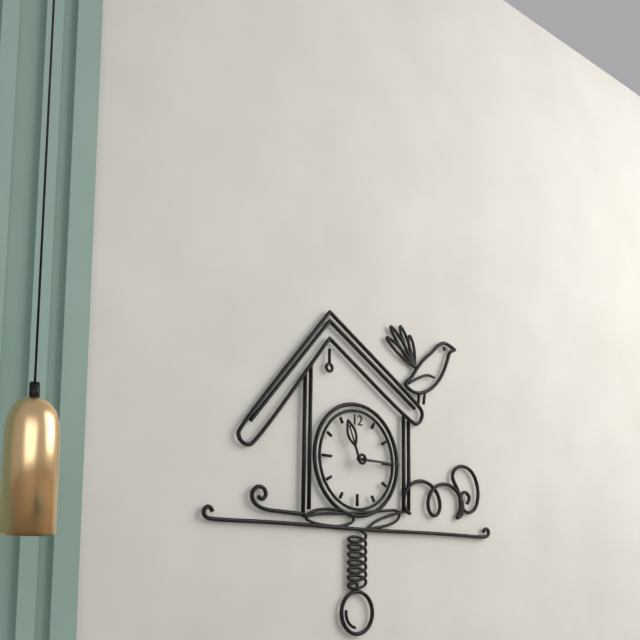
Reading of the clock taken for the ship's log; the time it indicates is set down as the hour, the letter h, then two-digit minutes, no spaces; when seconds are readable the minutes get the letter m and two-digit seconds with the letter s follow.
11h15
